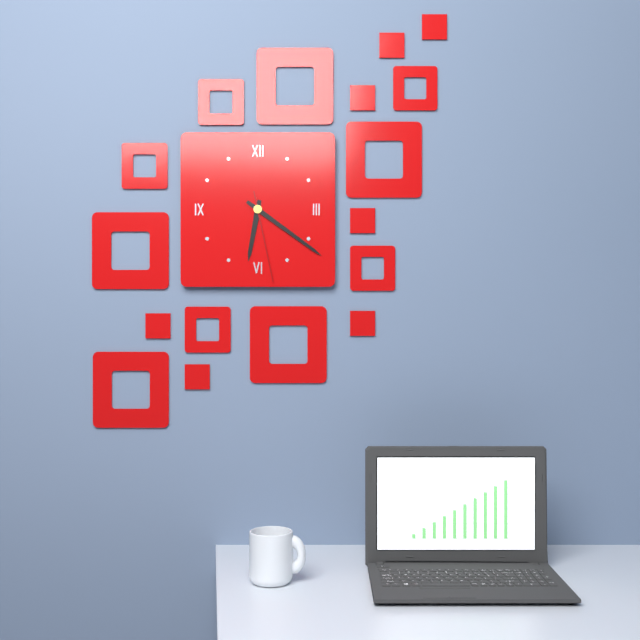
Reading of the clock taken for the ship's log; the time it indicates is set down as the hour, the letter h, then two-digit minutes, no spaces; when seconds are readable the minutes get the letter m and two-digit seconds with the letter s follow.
6h21m28s
